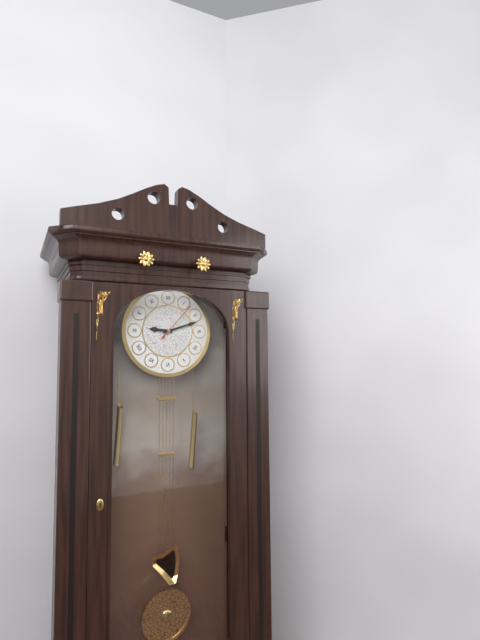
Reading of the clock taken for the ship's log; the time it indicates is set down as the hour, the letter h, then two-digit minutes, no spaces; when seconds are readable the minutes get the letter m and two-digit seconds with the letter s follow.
9h12
